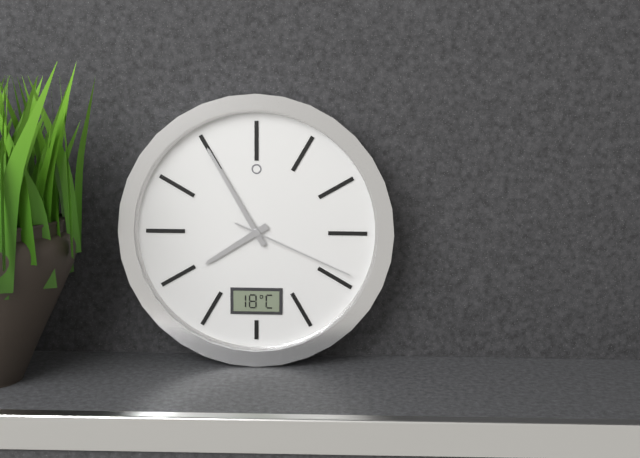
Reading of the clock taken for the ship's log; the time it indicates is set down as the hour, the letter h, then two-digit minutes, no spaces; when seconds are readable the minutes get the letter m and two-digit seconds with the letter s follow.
7h55m19s
